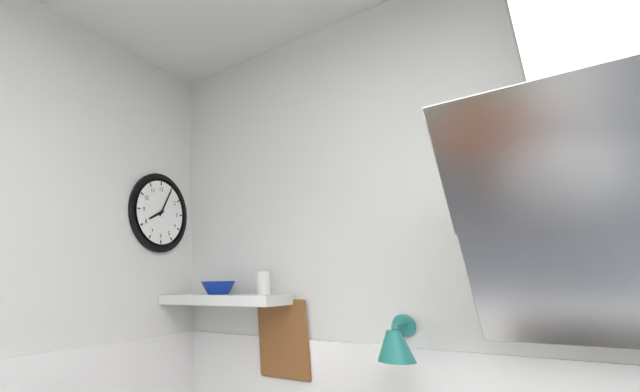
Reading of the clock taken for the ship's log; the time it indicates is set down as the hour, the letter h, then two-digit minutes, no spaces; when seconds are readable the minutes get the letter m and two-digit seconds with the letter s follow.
8h05
